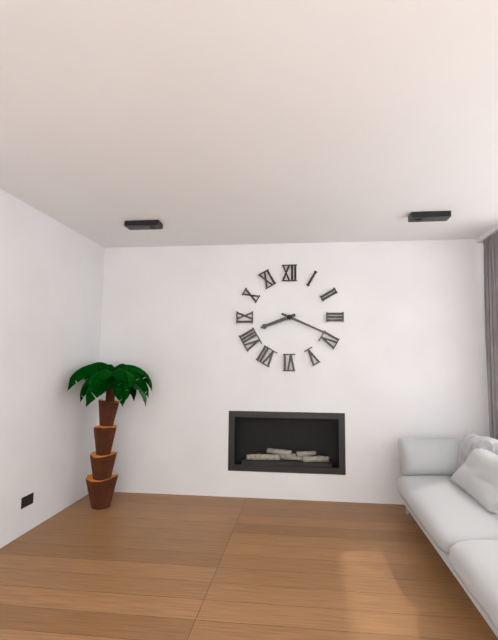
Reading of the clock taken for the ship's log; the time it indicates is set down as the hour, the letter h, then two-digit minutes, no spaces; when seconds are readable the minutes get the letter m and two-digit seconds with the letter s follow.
8h19
